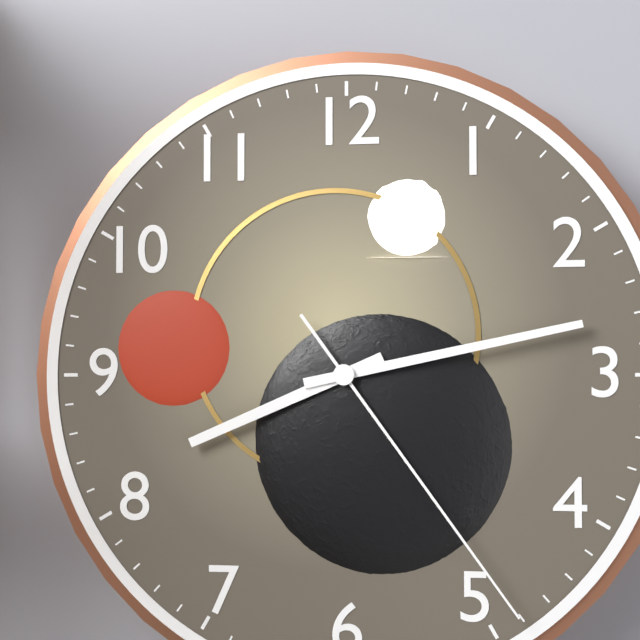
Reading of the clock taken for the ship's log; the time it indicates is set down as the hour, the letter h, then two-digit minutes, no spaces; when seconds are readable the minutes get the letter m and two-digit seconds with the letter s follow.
8h13m24s
